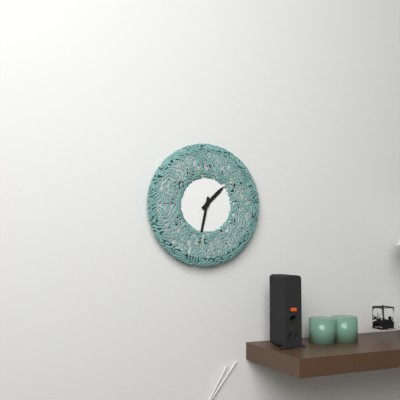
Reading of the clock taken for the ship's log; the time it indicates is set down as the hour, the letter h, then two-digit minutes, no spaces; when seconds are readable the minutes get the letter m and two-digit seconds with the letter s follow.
1h32
